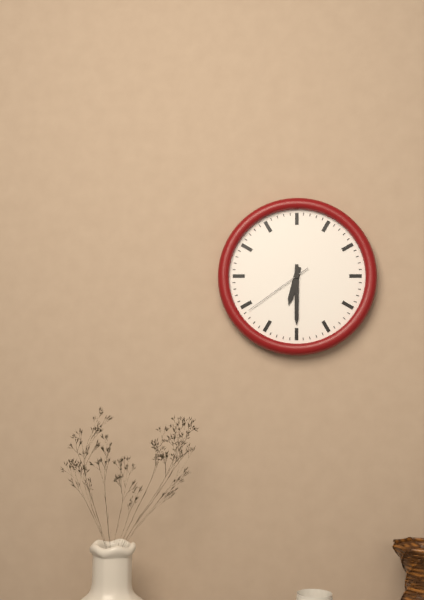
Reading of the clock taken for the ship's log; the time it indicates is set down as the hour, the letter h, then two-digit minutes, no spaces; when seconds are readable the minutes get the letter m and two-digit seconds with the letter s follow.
6h30m39s
